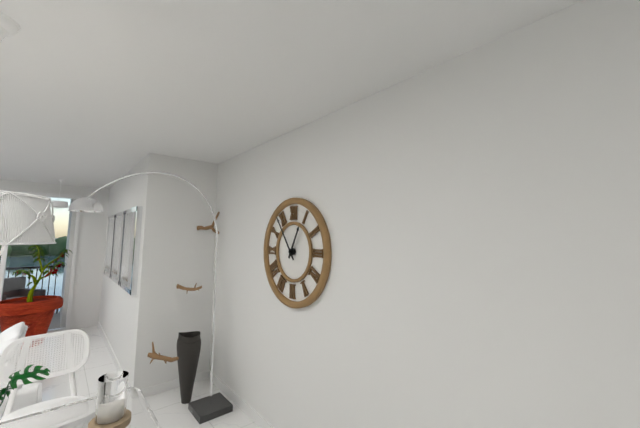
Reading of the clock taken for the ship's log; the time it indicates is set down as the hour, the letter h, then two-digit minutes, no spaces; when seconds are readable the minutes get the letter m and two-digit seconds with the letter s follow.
12h54
